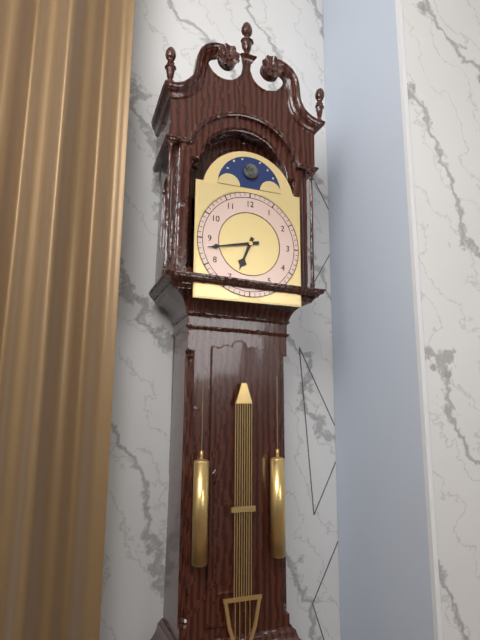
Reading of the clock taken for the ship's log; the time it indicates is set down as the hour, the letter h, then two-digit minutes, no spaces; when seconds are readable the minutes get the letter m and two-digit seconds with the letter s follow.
6h43
